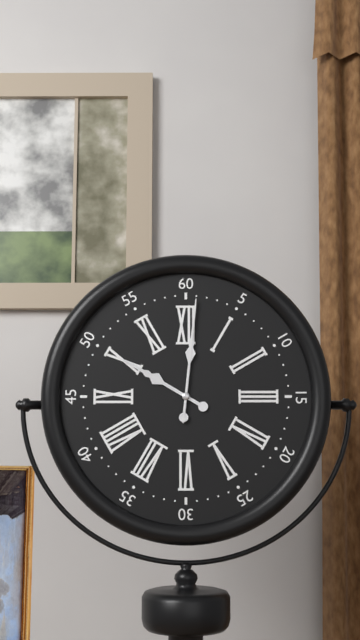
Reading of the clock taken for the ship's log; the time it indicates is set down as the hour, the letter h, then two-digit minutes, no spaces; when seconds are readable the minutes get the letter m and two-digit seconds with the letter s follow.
10h01m01s
